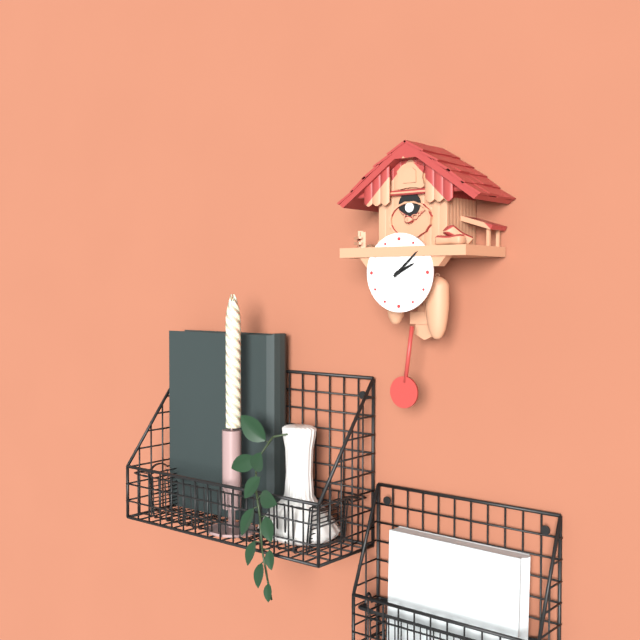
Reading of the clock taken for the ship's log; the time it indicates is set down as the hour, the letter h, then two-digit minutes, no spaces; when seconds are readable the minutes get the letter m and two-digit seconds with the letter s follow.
2h08
